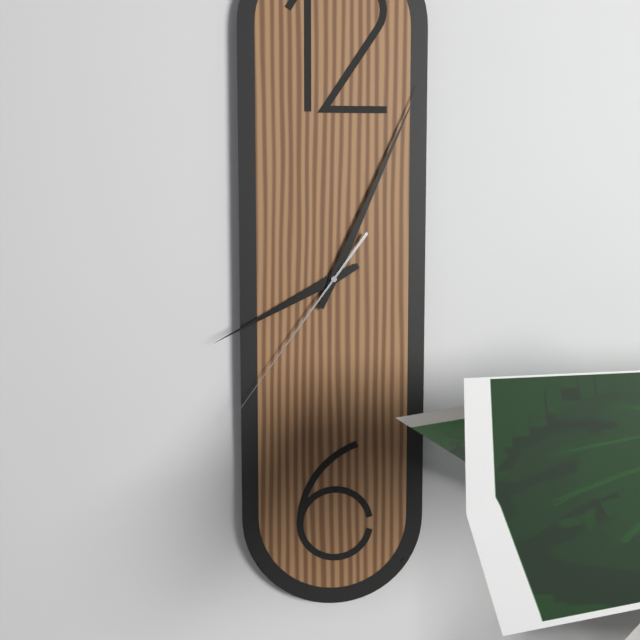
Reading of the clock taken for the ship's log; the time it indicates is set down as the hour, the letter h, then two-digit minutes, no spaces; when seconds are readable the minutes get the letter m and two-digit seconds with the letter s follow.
8h04m36s
